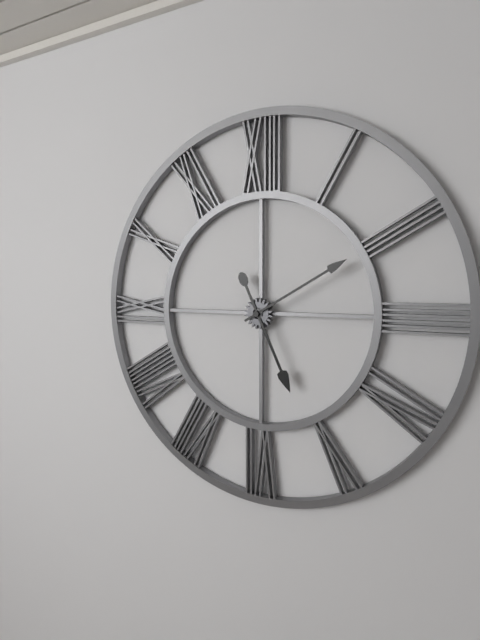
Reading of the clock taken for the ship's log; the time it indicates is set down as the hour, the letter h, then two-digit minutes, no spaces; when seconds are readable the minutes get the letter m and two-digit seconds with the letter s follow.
5h10
